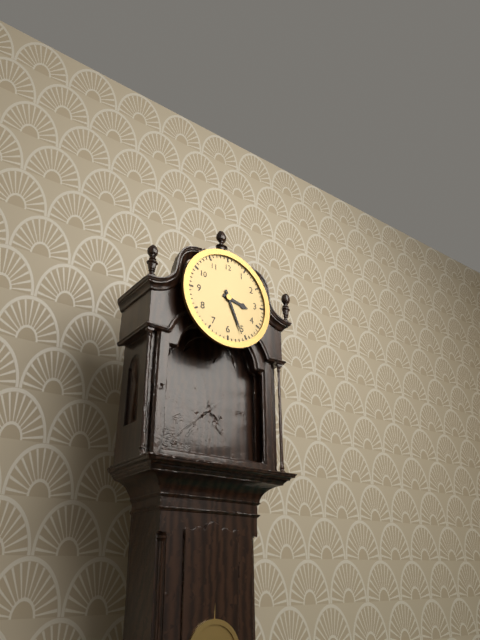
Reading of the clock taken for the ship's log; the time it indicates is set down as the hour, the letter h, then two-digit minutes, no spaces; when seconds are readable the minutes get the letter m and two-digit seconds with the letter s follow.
3h26
